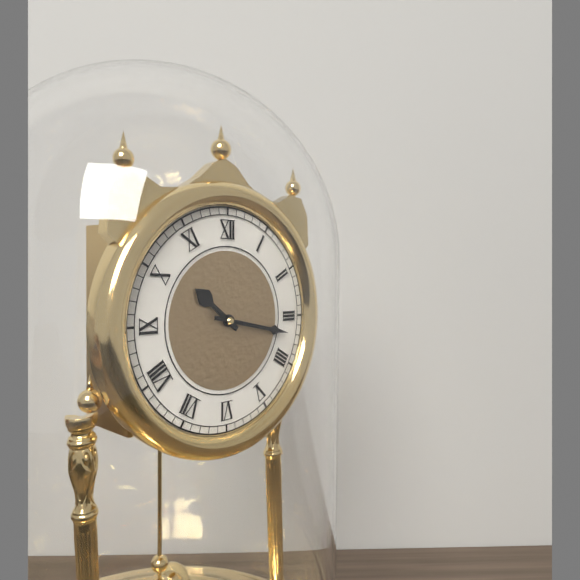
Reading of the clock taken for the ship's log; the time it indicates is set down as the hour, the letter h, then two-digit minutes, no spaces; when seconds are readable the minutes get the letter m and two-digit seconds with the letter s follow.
10h17
